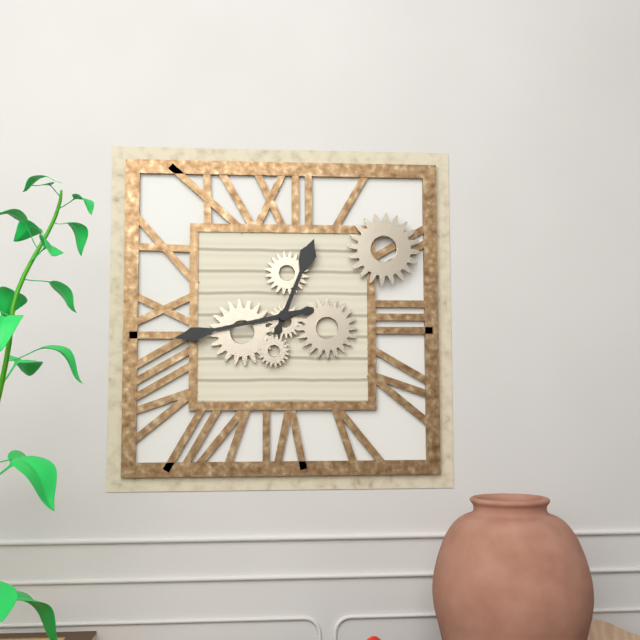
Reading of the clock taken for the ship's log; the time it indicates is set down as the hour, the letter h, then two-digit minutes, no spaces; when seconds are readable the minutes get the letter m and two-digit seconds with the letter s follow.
12h43
